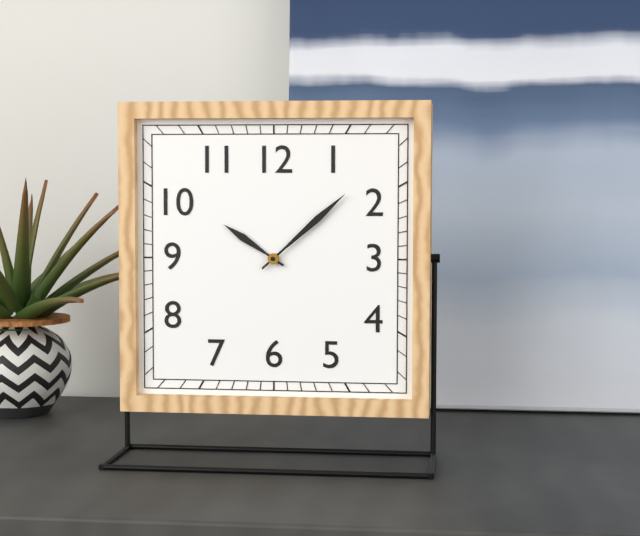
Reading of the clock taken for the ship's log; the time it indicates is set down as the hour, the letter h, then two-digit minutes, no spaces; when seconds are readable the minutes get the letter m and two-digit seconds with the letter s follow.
10h08
